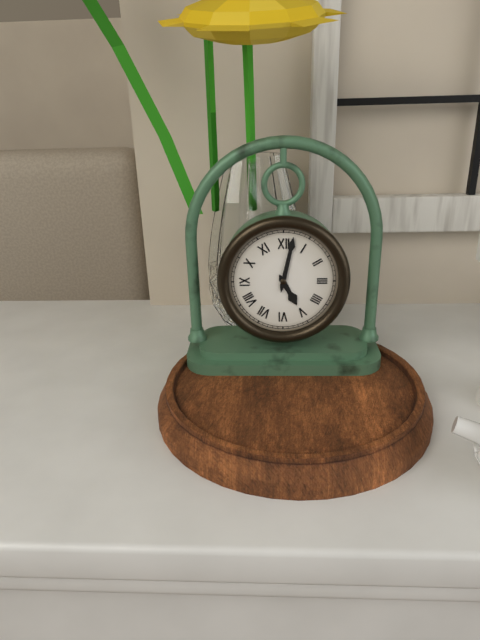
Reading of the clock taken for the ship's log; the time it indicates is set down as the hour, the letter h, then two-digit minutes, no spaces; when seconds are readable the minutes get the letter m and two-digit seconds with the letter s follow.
5h02
